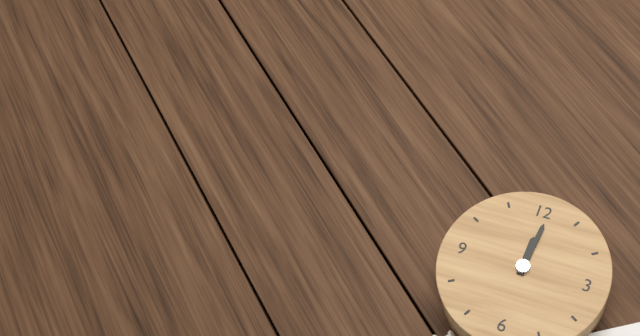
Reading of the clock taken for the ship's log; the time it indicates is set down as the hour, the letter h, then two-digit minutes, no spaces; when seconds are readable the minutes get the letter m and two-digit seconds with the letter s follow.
12h01
